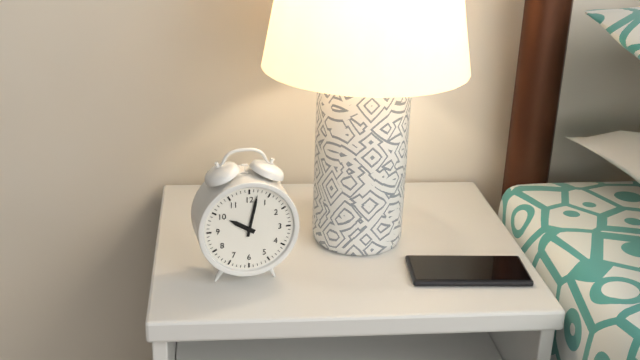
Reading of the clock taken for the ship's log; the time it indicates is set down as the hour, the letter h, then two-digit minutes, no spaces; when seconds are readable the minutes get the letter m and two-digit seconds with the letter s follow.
10h02
